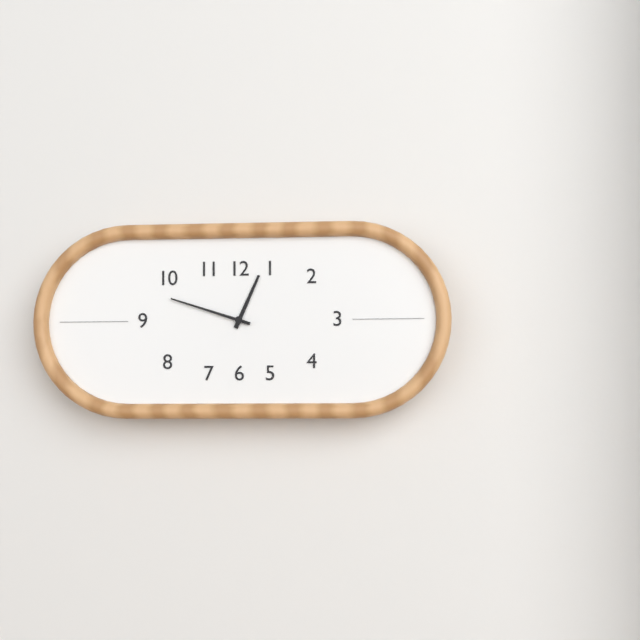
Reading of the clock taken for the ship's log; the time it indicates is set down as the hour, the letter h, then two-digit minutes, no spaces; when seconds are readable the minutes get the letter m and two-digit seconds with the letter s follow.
12h48
